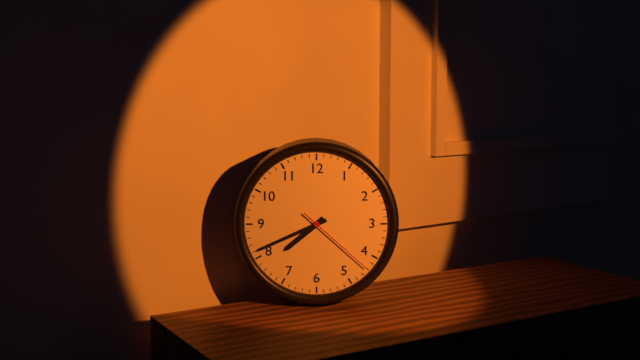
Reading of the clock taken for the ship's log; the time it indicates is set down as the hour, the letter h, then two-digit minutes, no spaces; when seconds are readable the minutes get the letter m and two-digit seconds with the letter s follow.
7h41m22s
